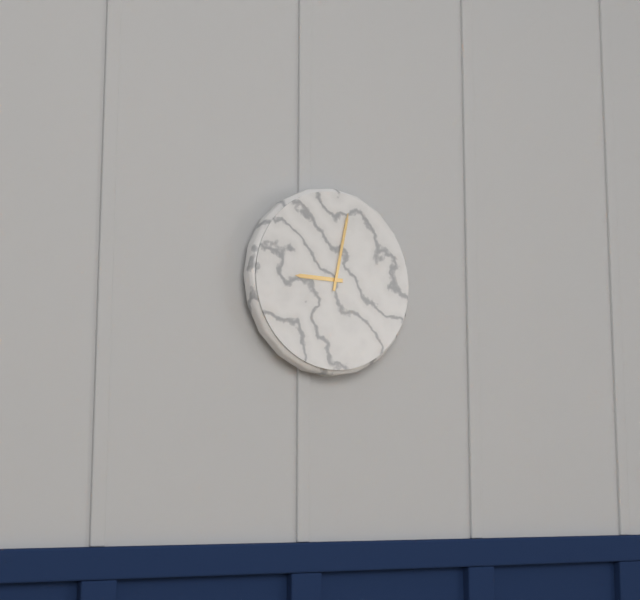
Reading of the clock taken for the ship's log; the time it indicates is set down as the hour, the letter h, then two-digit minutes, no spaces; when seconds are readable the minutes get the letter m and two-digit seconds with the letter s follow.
9h02
